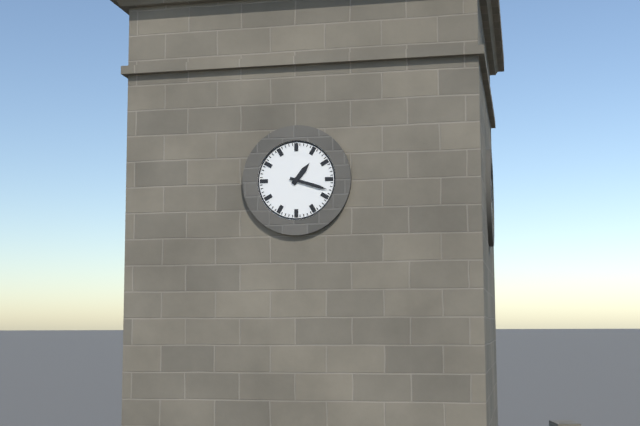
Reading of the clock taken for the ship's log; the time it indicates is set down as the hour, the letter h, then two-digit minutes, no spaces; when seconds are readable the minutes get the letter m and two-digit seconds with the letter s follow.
1h18
